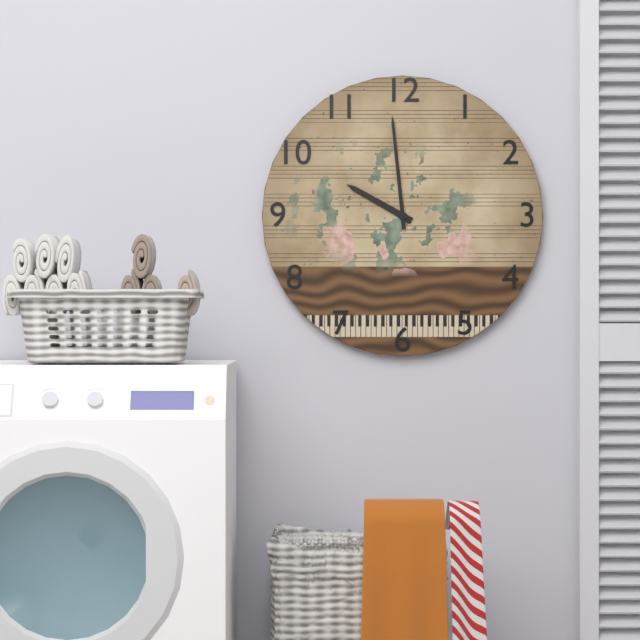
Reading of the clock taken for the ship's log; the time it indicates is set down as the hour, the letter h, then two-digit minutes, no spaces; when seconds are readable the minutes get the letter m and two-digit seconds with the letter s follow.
9h59
